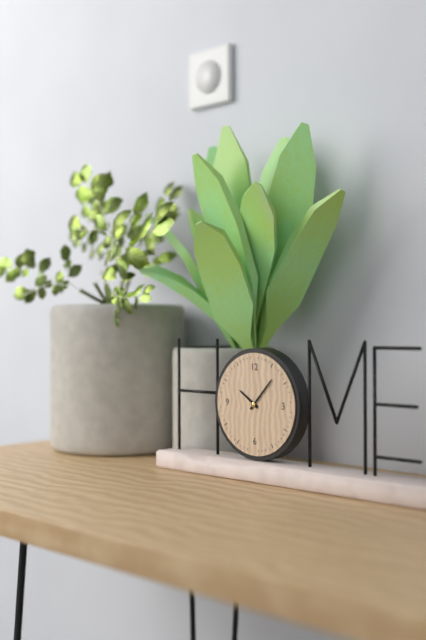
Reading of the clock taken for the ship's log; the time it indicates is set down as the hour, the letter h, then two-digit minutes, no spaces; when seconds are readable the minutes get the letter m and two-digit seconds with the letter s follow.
10h07
